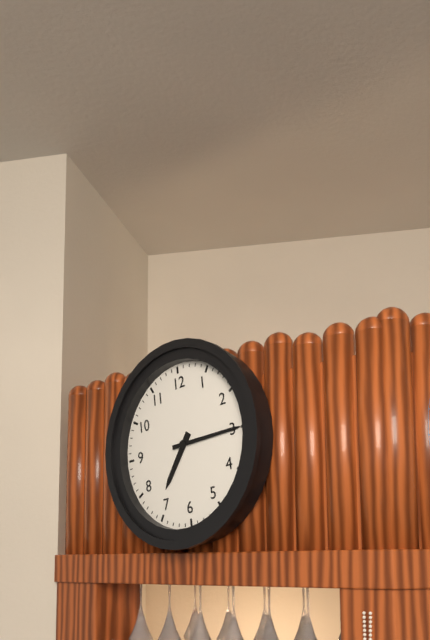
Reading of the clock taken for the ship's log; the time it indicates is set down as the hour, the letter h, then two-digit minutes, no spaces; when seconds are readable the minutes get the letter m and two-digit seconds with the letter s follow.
7h15
